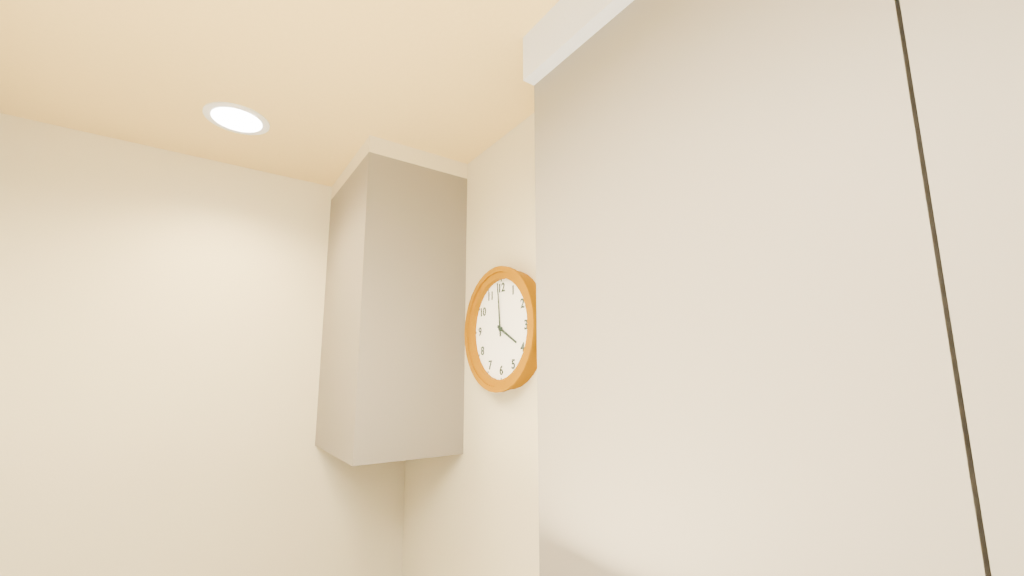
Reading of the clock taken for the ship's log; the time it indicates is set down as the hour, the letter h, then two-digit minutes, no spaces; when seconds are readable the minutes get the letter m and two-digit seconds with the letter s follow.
3h59
